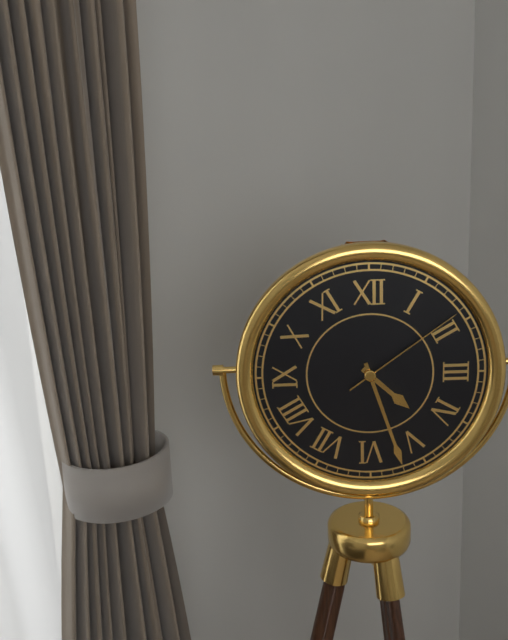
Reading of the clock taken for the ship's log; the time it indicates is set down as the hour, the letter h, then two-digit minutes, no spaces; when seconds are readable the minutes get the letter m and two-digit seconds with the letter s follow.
4h27m09s
